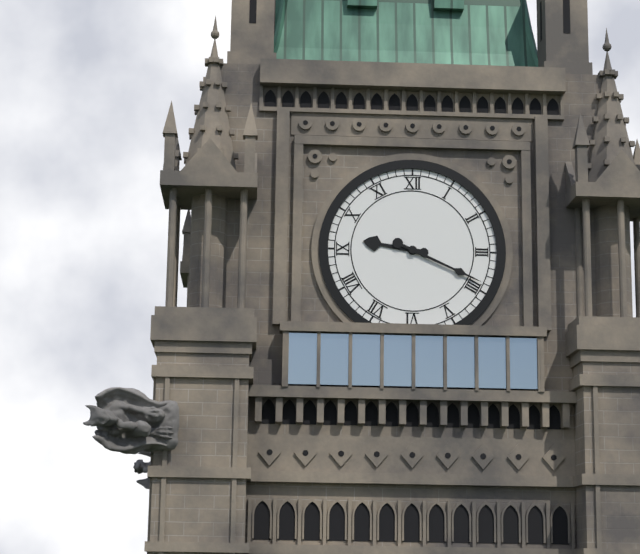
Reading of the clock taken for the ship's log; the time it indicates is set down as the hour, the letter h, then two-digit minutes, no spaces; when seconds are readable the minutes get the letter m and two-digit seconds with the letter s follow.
9h19
